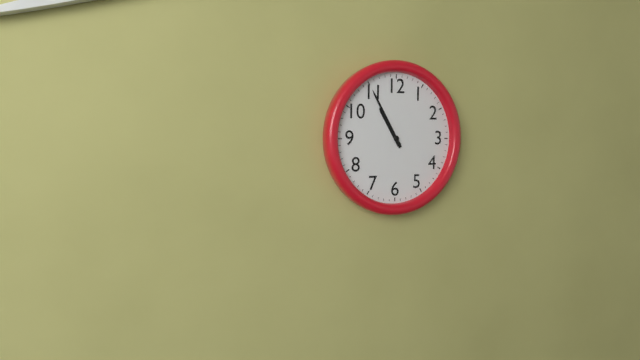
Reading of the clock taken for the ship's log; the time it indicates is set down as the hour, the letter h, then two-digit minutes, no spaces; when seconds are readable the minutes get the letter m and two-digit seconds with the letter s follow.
10h55
